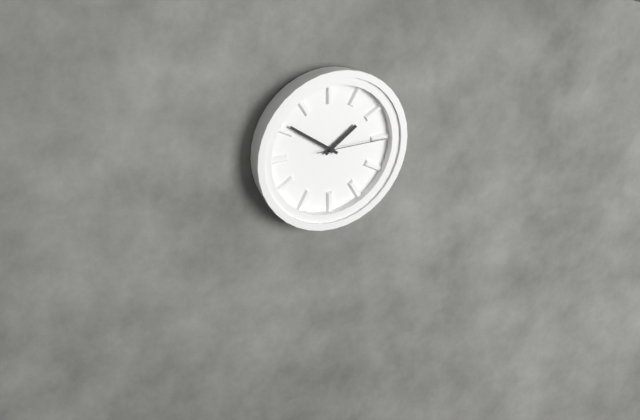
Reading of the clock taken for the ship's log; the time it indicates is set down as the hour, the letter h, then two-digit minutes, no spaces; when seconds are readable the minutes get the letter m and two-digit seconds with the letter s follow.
1h51m15s
